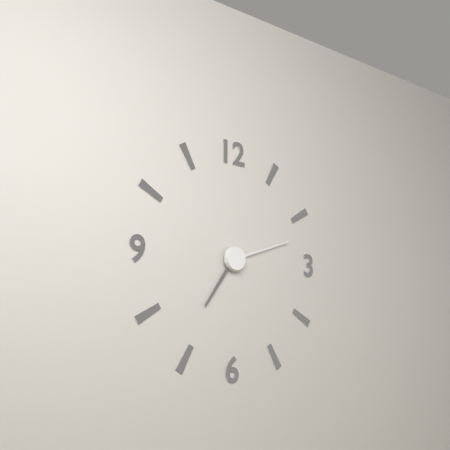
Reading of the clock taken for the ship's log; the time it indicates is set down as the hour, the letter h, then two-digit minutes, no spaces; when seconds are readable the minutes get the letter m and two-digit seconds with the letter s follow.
7h12
